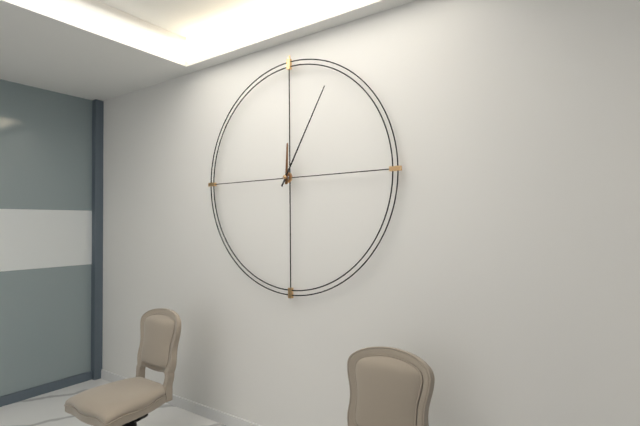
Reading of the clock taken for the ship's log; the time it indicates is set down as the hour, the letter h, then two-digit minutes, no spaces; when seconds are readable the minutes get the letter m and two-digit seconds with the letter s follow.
12h05
